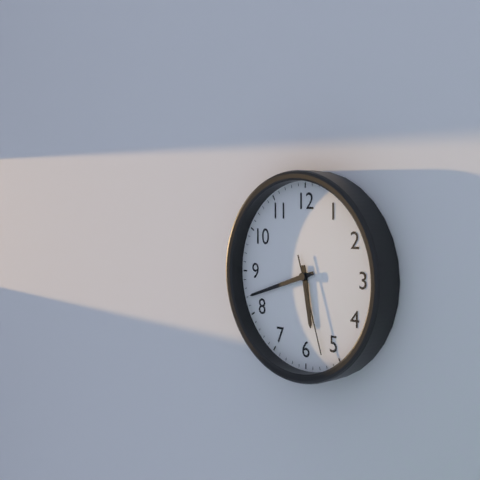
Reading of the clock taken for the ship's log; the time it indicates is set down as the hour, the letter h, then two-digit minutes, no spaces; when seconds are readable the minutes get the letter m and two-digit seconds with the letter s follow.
5h42m27s
